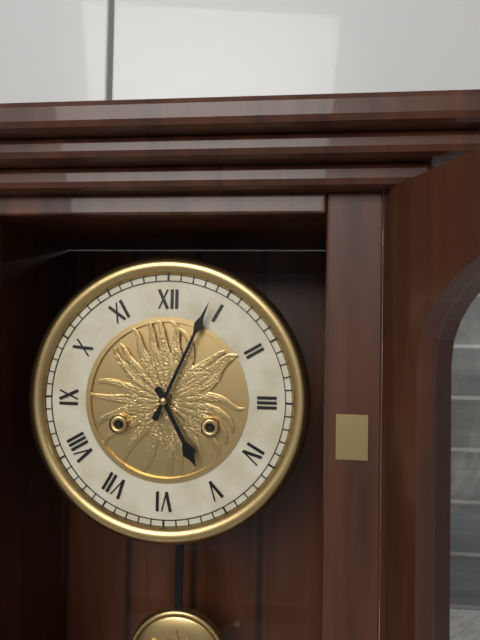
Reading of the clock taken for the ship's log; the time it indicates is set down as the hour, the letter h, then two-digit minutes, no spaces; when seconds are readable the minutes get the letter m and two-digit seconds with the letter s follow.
5h04
